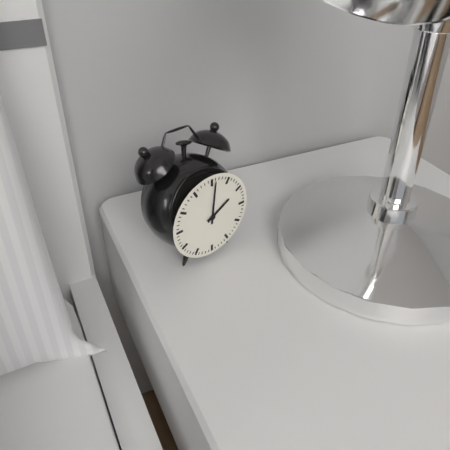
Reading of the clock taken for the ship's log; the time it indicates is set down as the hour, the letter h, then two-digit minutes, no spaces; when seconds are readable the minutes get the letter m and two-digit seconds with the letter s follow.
2h01
